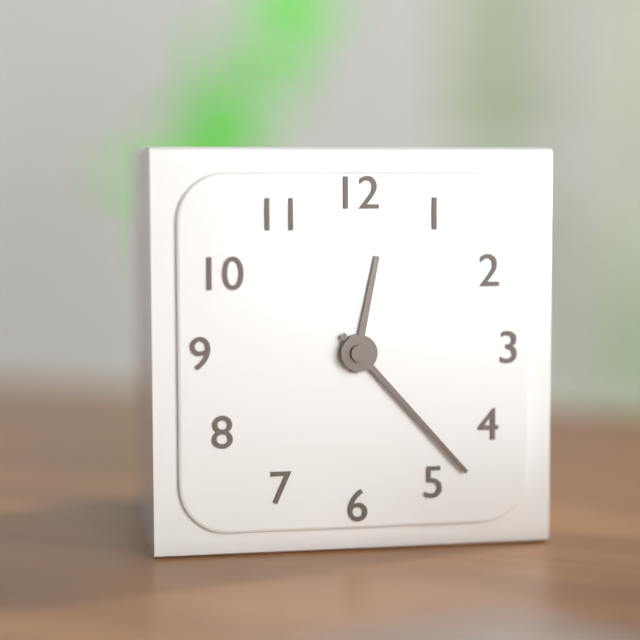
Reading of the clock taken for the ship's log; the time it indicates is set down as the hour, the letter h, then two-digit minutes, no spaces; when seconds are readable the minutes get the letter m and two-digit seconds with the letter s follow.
12h23
